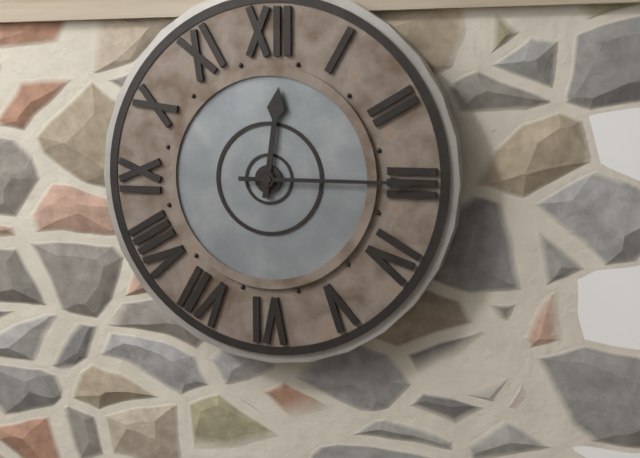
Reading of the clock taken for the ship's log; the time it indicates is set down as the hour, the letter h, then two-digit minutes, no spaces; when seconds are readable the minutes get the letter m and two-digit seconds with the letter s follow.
12h15
